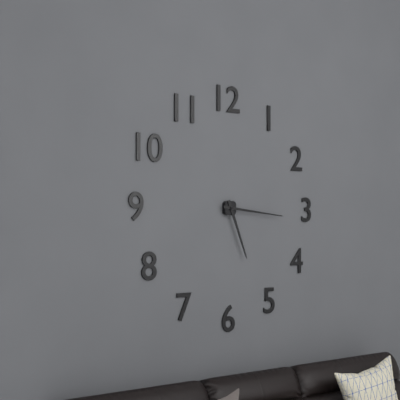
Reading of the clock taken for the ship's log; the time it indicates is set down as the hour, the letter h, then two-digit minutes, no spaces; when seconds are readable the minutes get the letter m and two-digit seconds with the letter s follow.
5h16
